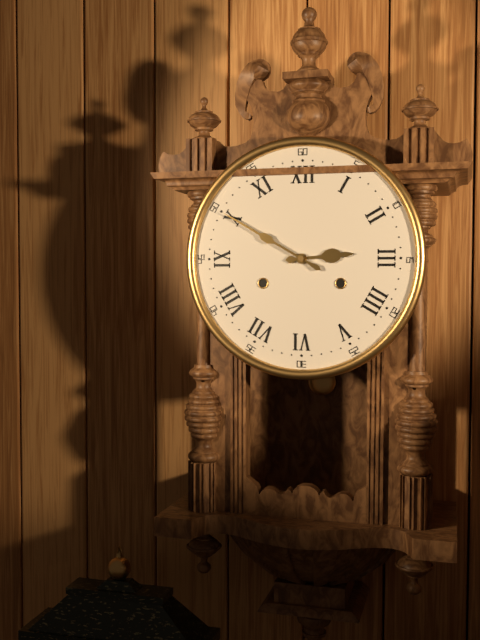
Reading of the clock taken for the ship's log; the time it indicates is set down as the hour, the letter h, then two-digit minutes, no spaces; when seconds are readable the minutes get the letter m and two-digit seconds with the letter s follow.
2h50
